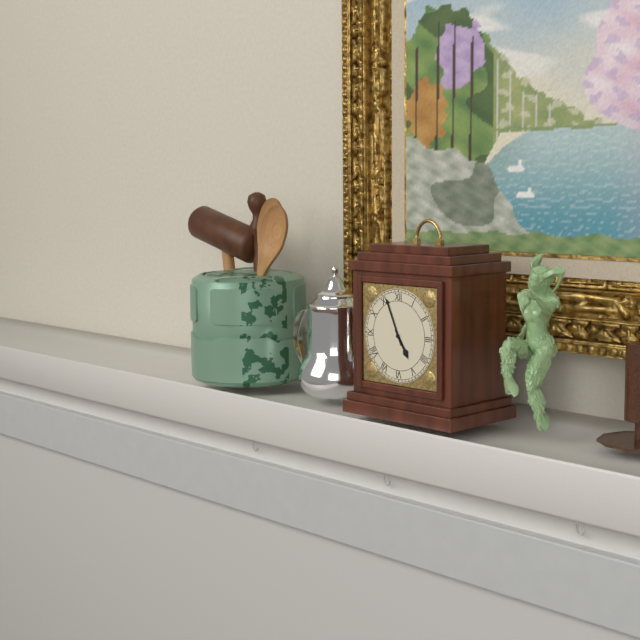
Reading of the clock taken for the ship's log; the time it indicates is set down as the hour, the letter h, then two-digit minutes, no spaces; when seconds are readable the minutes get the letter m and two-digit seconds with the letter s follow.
4h56
